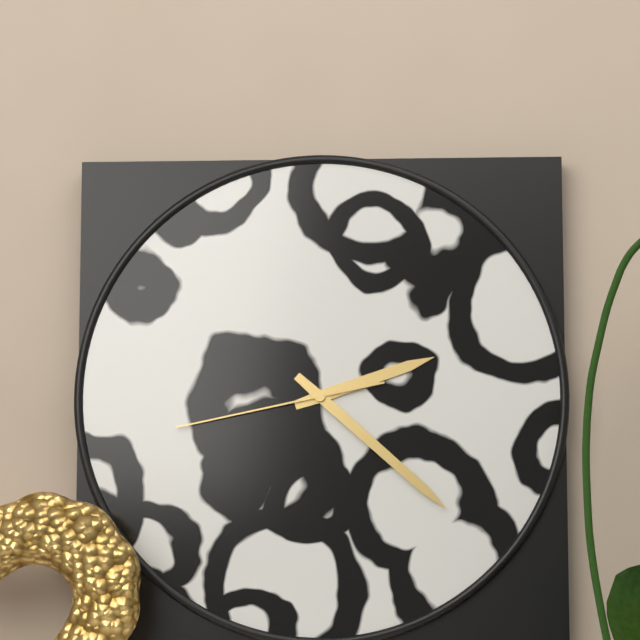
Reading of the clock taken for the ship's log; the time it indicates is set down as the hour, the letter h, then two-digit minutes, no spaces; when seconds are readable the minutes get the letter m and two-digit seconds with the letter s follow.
2h22m43s
